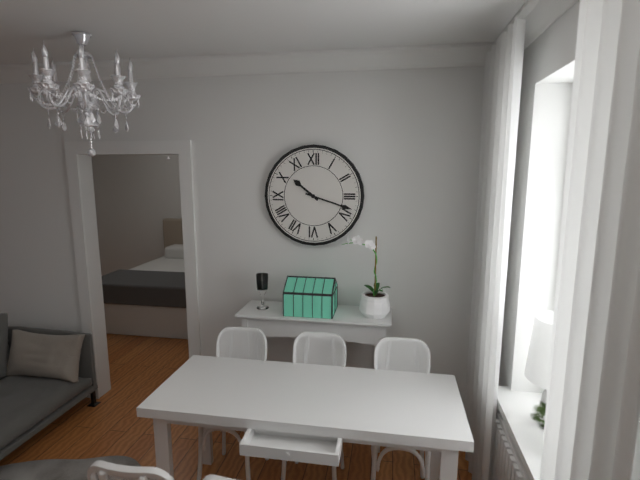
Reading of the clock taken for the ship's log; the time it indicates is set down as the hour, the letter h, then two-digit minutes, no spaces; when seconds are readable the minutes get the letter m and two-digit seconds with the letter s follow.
10h18
